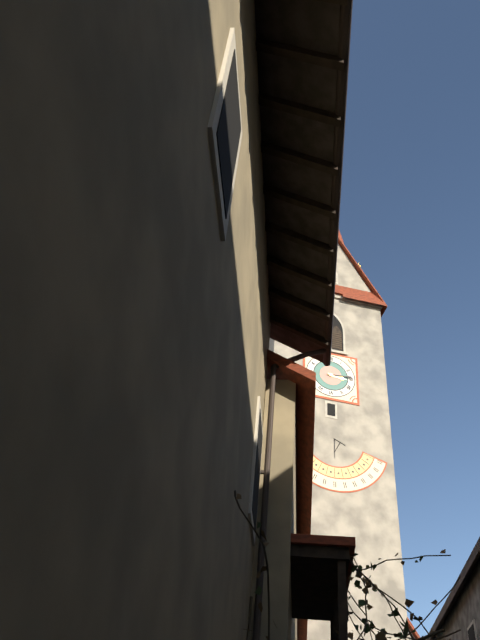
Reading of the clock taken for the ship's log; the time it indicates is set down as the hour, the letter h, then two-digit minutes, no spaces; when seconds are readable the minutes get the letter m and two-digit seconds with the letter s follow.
3h14
